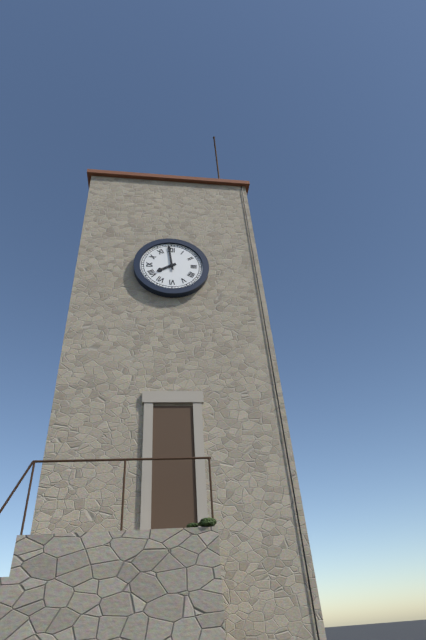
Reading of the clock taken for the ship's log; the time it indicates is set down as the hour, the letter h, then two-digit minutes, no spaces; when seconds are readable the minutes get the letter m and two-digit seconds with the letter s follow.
7h59
